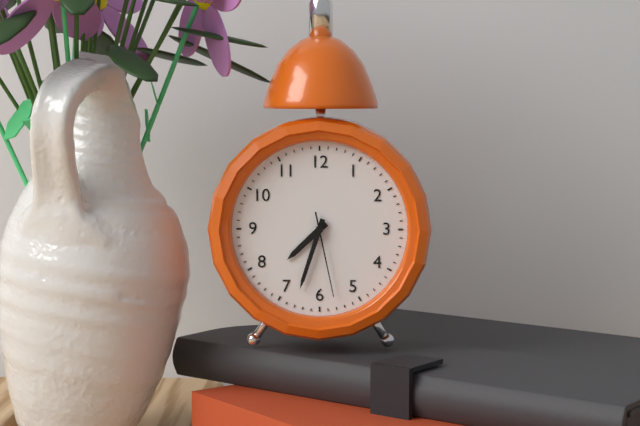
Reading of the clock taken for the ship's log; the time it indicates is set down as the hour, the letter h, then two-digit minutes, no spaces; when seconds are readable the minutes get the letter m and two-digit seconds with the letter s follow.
7h33m28s
